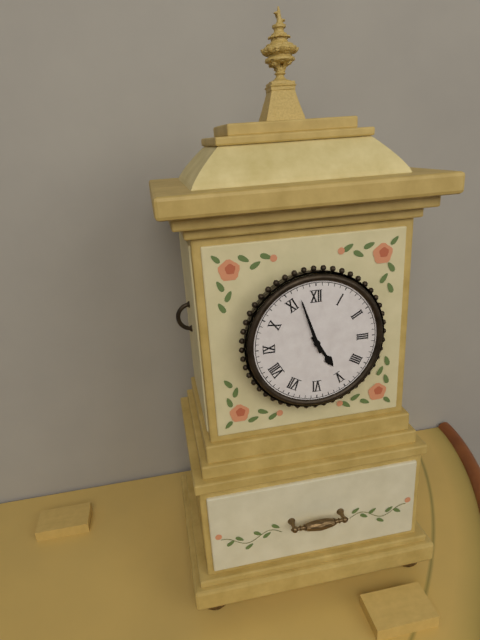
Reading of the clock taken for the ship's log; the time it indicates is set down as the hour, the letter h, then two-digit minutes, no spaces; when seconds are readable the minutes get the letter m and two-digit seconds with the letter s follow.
4h57
